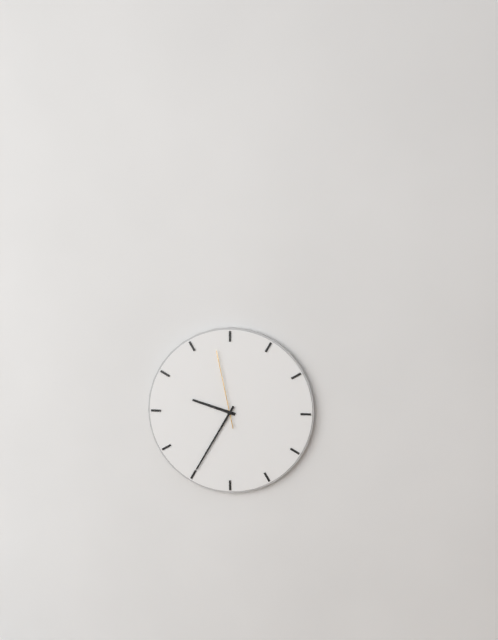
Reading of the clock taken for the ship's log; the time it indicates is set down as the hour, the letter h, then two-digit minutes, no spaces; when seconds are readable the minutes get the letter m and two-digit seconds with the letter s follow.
9h35m58s
